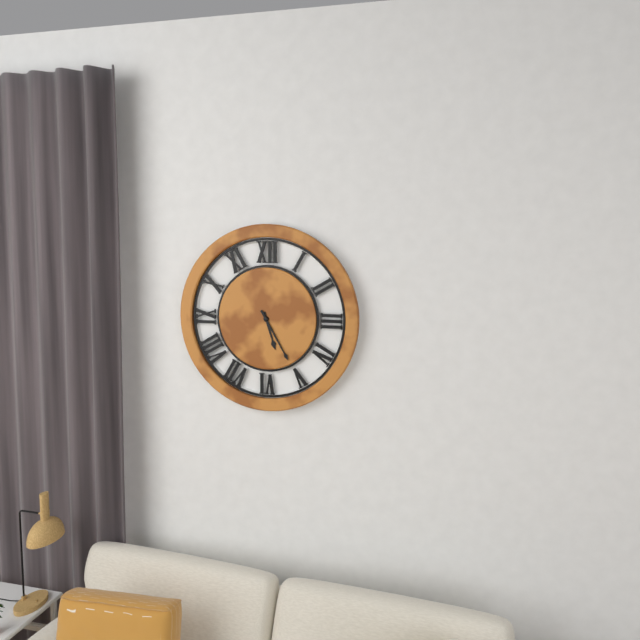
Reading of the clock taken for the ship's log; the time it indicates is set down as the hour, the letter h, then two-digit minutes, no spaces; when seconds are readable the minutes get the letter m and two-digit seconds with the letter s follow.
5h25
